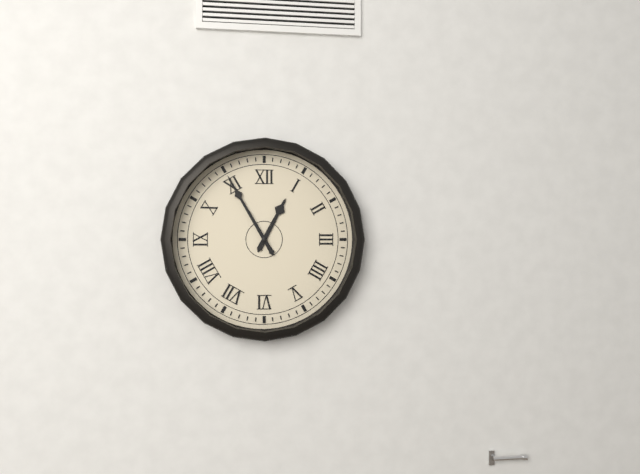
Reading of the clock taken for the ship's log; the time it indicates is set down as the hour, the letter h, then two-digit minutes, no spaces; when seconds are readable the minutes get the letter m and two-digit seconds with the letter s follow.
12h55
